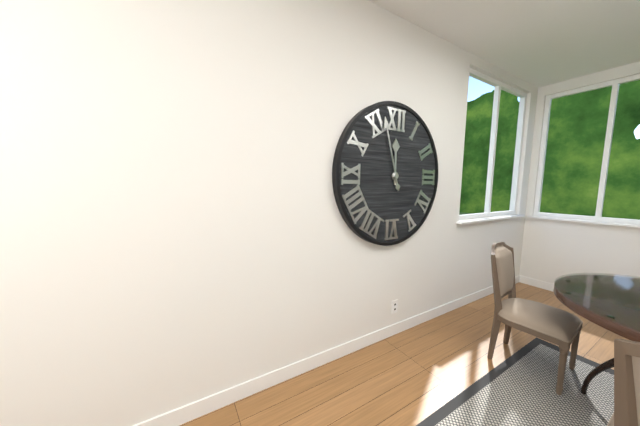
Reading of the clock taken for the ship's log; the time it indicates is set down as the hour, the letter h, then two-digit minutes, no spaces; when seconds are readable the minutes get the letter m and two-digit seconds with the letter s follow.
11h57
